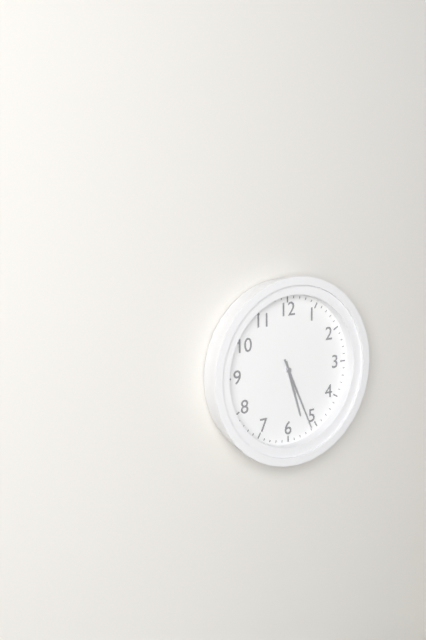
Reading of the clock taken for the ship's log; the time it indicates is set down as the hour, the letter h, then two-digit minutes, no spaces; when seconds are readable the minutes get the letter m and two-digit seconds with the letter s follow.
5h26
